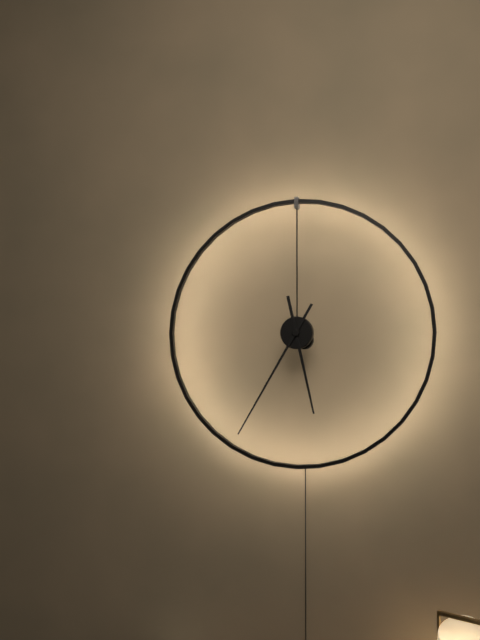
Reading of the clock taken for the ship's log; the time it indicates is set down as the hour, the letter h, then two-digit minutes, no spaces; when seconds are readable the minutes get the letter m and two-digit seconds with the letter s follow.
5h35
